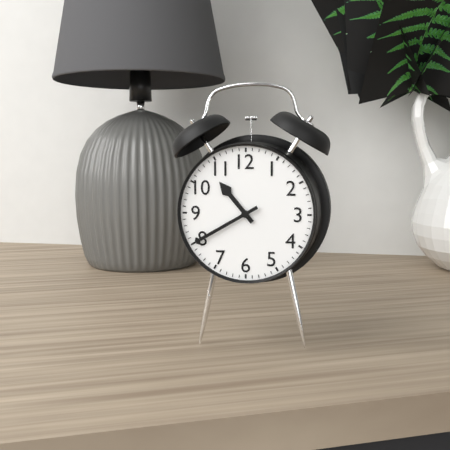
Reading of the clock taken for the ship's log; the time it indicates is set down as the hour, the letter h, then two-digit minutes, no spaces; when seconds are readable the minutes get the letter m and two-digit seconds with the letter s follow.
10h40
